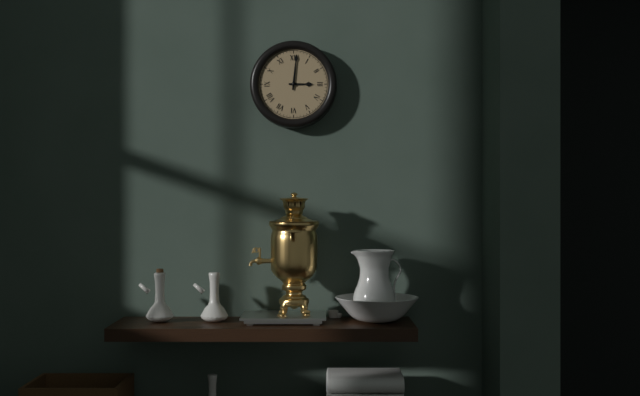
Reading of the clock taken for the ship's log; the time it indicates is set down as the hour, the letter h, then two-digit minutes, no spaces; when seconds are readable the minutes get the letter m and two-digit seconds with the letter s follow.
3h01
